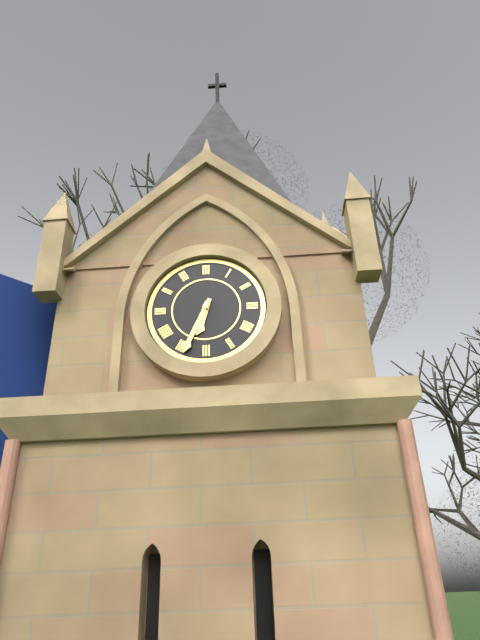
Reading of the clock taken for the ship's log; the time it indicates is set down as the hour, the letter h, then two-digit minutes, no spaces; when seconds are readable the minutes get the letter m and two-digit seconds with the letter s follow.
6h34
